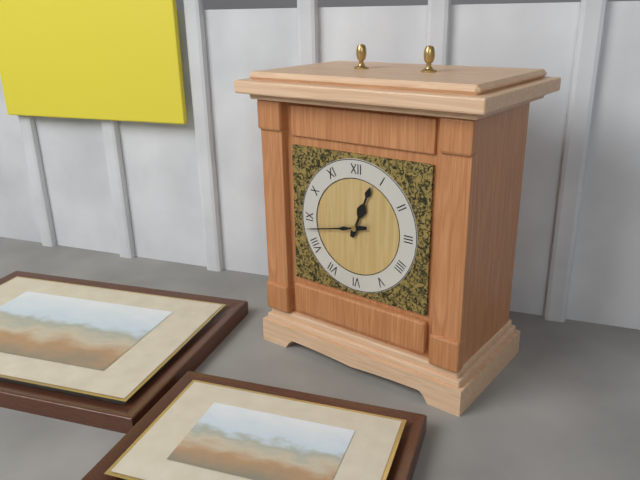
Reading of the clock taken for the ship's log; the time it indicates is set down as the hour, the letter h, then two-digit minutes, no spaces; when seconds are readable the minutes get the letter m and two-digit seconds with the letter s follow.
12h43
